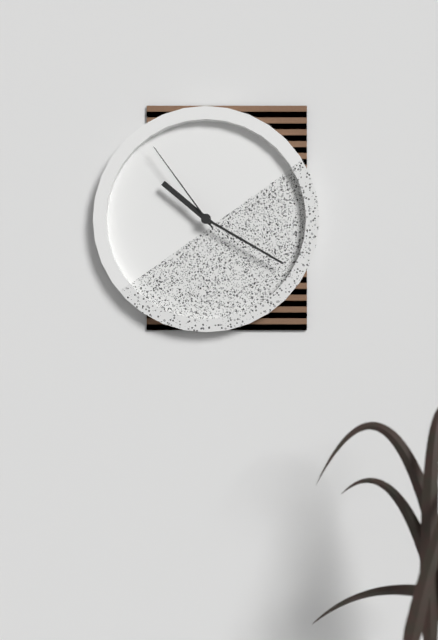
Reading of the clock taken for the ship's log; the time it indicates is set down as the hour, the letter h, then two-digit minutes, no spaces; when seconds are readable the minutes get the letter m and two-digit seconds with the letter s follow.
10h20m54s
